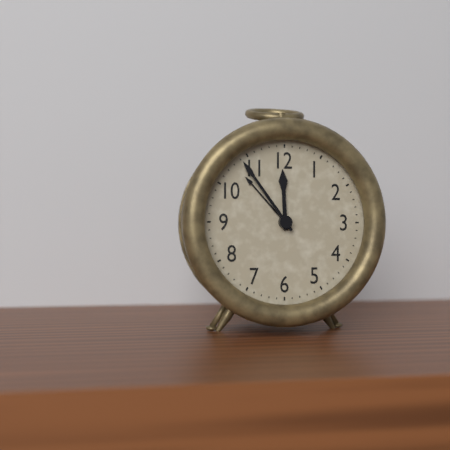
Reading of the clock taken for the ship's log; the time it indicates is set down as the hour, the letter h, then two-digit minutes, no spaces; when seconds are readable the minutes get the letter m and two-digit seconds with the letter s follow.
11h54
